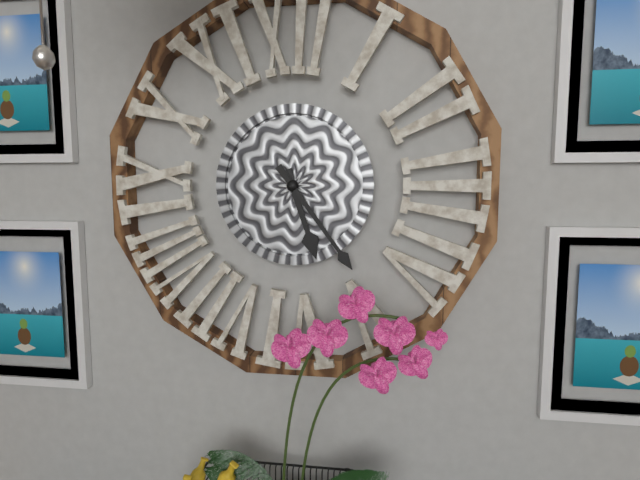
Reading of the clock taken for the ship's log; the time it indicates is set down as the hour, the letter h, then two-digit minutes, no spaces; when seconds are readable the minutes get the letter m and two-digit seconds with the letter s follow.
5h24
